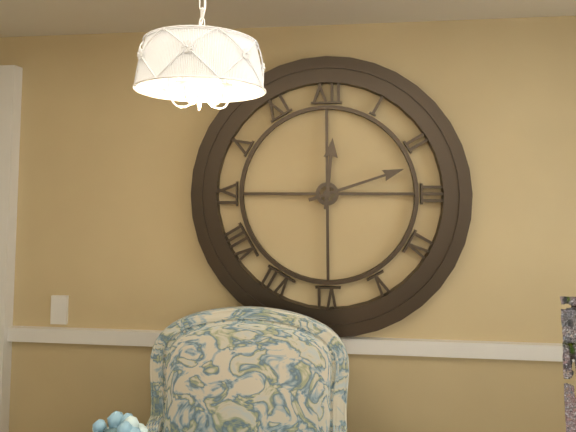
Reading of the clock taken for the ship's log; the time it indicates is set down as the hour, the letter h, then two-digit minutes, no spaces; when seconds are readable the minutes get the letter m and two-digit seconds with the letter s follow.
12h12
